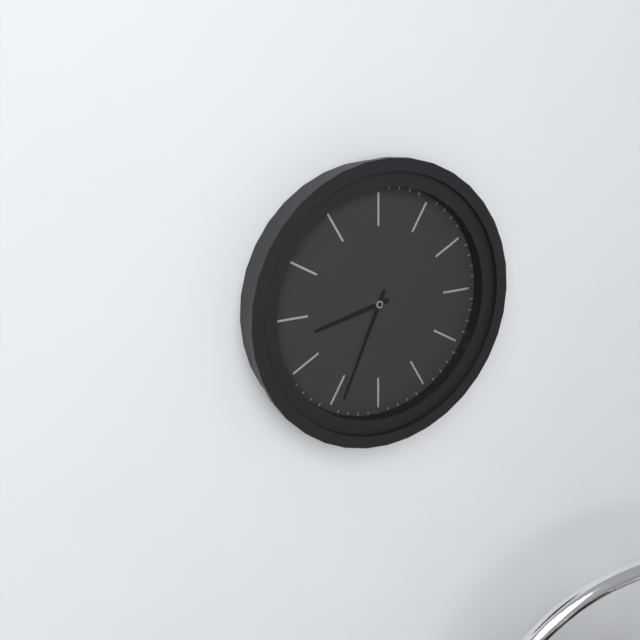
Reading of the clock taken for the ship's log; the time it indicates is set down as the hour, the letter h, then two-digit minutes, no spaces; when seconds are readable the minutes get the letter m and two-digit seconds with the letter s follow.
8h34
